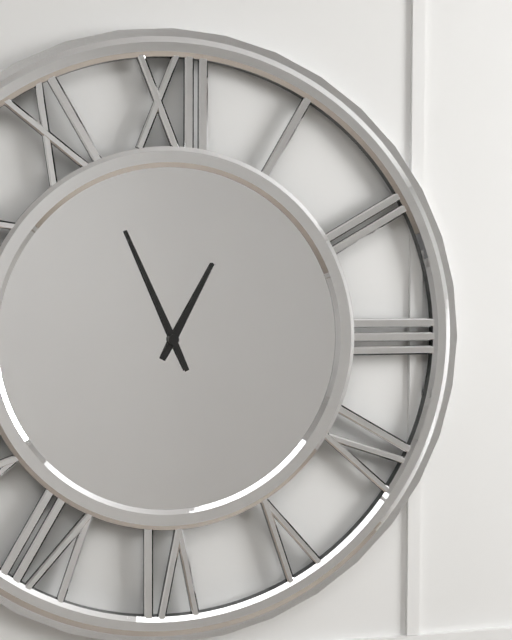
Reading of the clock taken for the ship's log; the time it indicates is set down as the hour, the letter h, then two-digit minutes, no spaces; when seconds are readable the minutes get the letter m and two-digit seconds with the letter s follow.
12h56
